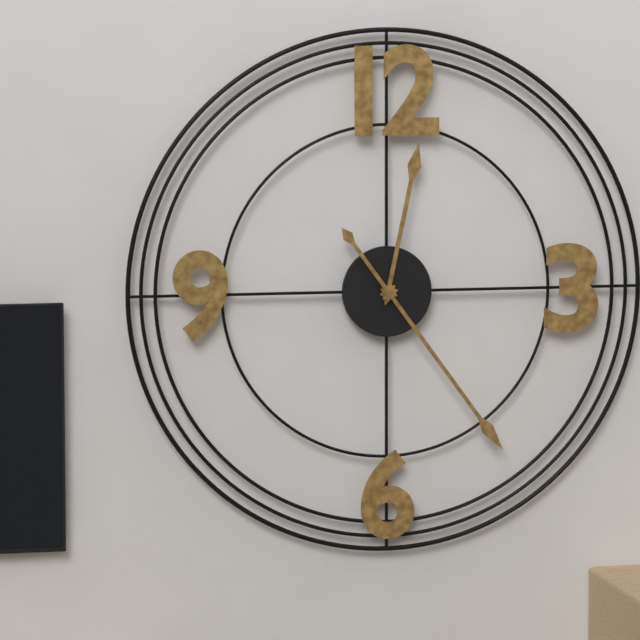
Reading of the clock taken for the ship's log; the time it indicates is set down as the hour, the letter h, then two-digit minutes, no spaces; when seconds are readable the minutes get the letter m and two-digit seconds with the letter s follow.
12h24
